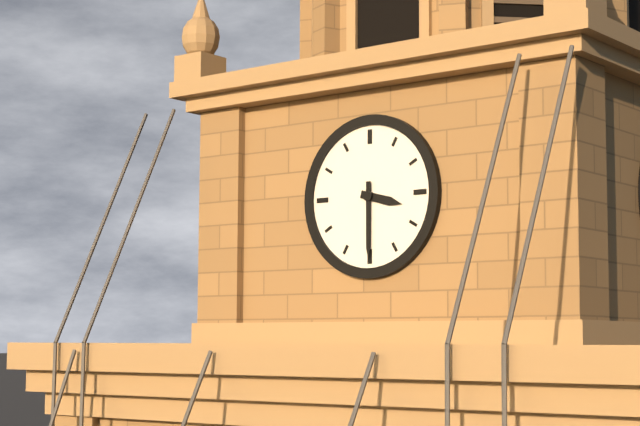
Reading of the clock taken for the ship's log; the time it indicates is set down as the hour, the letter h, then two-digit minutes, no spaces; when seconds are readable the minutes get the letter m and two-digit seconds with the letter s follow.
3h30
